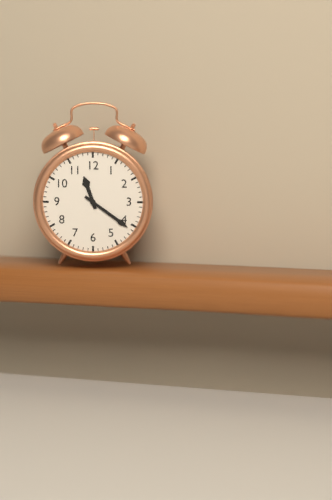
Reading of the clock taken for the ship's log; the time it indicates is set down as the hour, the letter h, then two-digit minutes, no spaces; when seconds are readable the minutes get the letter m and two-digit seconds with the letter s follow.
11h21
